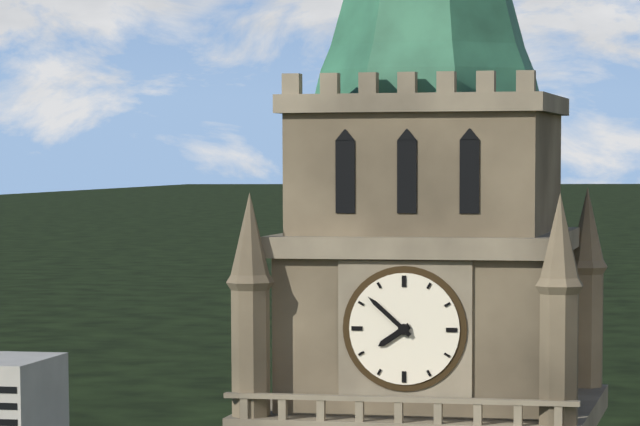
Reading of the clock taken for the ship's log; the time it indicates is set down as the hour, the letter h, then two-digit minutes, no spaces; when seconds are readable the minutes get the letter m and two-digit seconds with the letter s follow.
7h52
